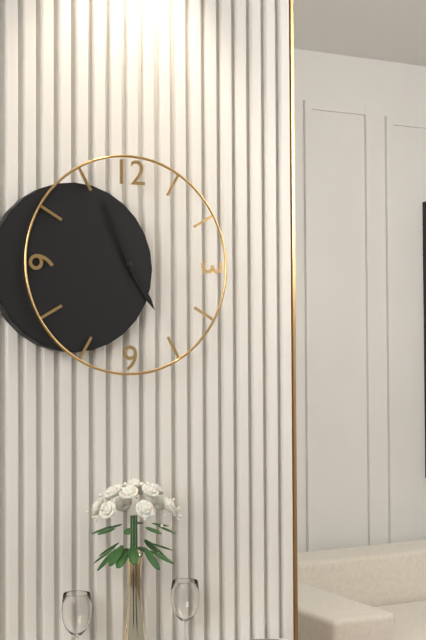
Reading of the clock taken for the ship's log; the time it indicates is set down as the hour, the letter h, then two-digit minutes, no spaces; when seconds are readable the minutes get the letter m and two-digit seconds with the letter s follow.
4h56
